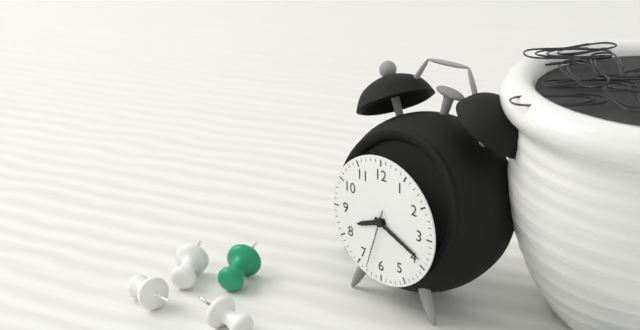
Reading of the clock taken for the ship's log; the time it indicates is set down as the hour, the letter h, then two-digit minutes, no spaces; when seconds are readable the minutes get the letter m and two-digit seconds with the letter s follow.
8h19m33s
